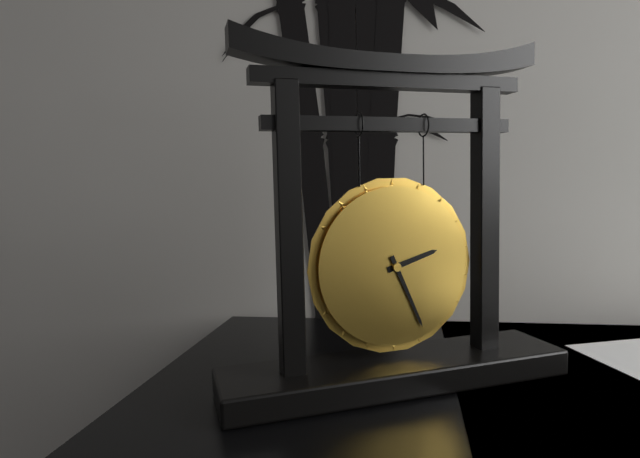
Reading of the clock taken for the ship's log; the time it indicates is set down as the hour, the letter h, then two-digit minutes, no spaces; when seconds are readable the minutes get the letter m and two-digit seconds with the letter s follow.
2h26
